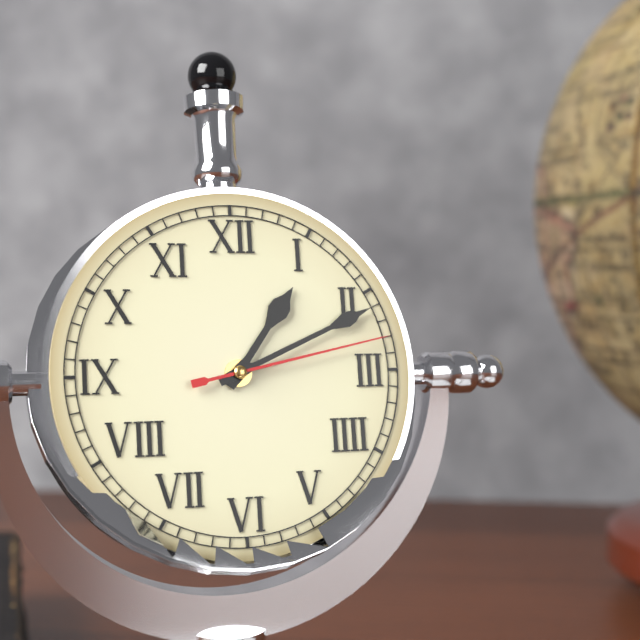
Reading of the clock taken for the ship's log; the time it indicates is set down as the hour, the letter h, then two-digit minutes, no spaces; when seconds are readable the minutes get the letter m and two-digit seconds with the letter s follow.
1h11m13s
